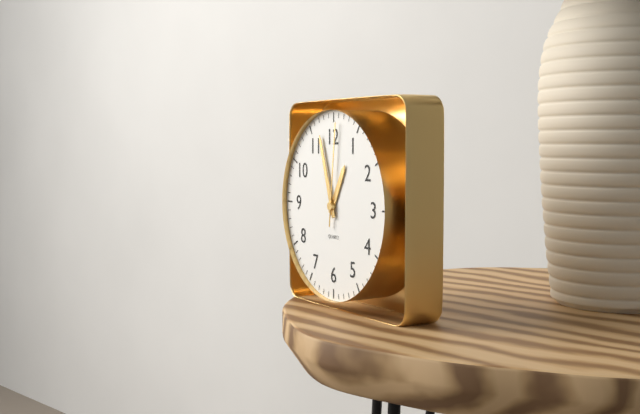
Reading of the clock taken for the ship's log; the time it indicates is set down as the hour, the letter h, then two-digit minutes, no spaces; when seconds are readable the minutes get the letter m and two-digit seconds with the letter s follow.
12h57m01s
